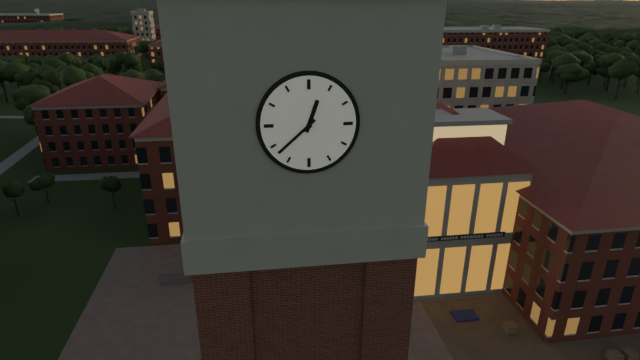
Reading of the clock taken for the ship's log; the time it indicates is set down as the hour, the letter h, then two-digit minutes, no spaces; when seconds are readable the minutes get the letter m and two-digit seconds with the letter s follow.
12h38
